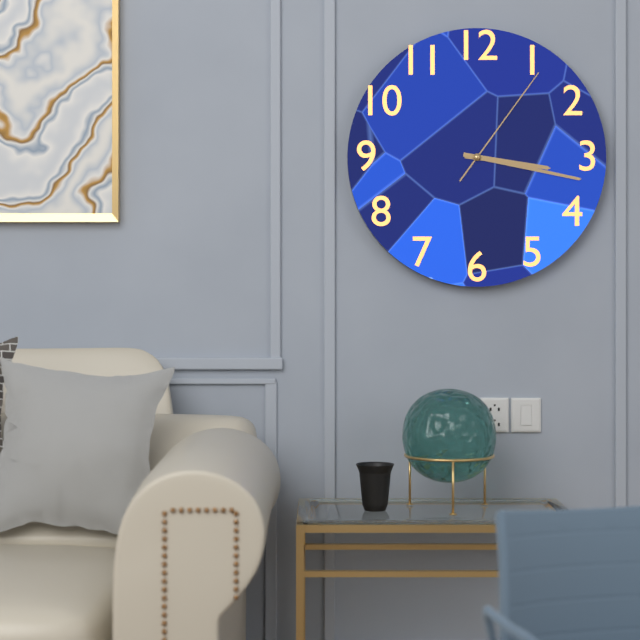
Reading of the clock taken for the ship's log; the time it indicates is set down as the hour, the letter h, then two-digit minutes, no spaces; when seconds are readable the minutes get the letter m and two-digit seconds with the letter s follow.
3h17m06s
